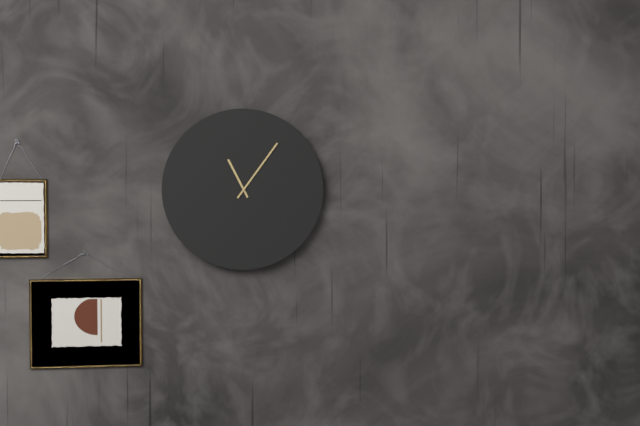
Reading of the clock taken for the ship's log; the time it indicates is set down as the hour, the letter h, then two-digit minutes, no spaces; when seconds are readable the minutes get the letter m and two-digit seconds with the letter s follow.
11h06
